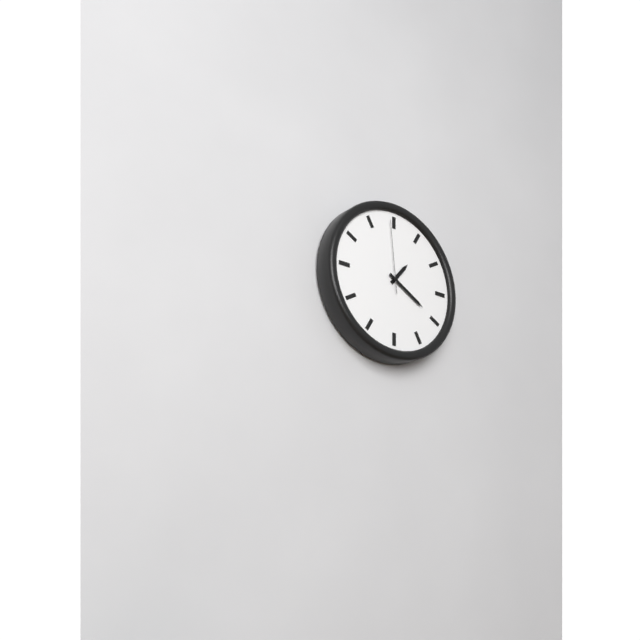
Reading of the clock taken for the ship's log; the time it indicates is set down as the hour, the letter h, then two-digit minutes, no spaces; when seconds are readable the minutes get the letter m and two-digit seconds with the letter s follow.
1h20m59s
